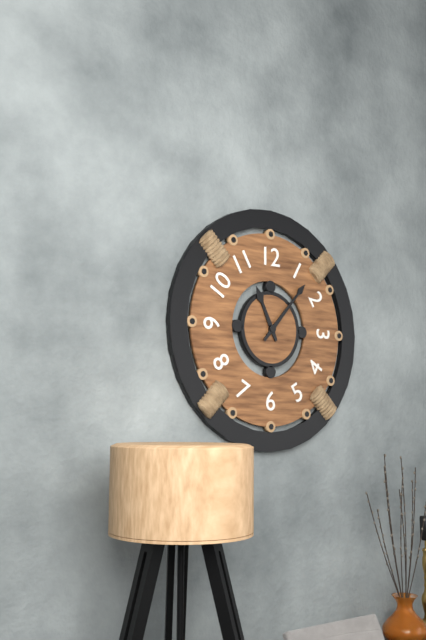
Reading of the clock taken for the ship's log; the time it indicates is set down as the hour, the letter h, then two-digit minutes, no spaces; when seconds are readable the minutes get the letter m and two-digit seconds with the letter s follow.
11h07
